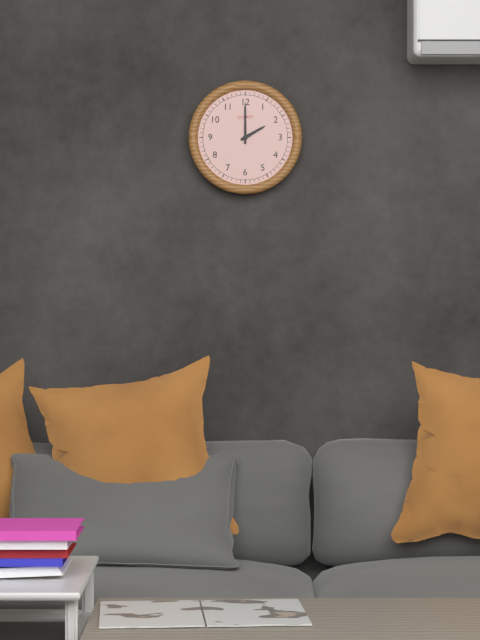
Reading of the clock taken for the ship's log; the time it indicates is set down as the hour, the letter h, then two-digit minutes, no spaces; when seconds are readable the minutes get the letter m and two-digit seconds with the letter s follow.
2h00
